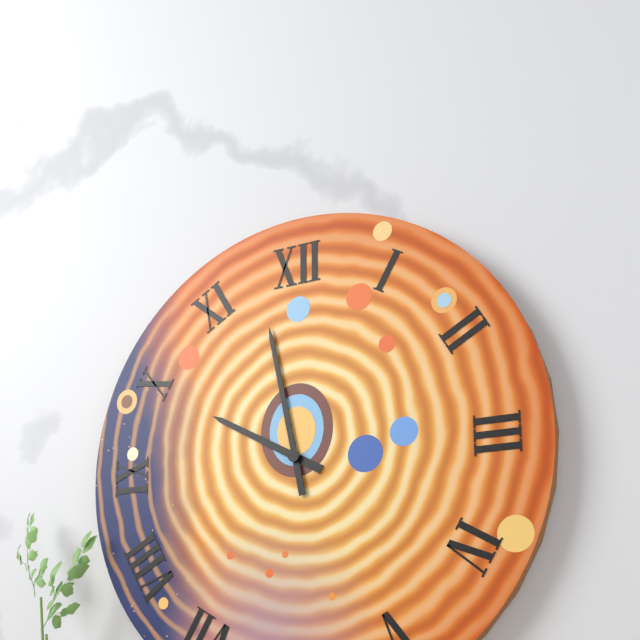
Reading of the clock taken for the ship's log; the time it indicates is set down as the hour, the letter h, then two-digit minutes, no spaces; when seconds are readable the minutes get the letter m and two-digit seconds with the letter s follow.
9h58
